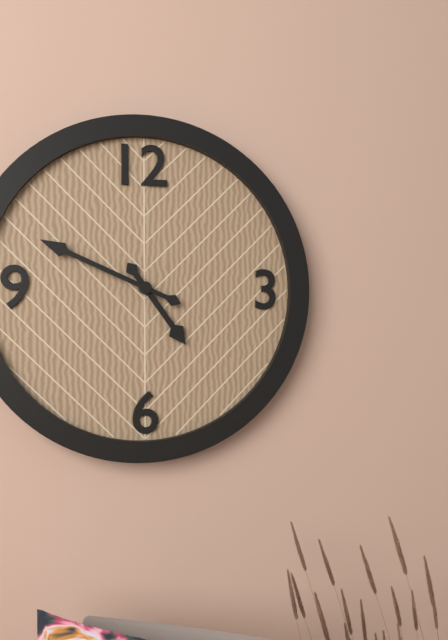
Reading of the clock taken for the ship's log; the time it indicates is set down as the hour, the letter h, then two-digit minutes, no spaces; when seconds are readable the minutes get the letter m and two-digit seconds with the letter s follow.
4h49
